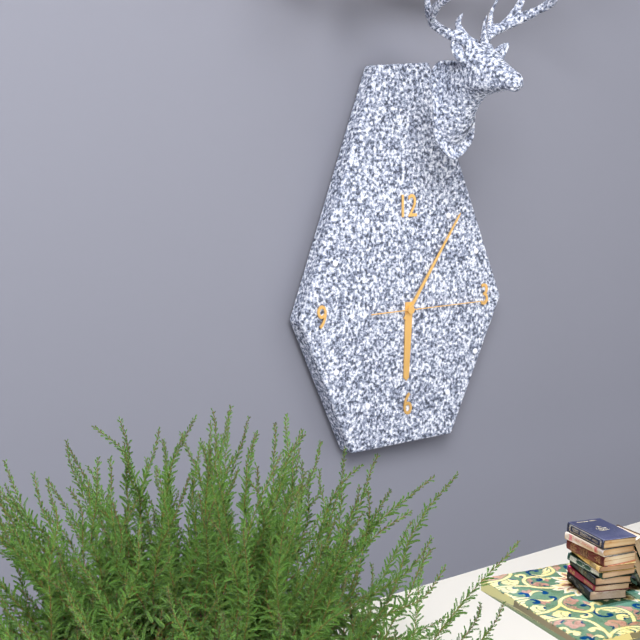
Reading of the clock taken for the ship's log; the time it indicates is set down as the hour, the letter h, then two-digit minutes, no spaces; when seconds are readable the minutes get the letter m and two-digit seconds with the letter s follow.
6h06m15s
